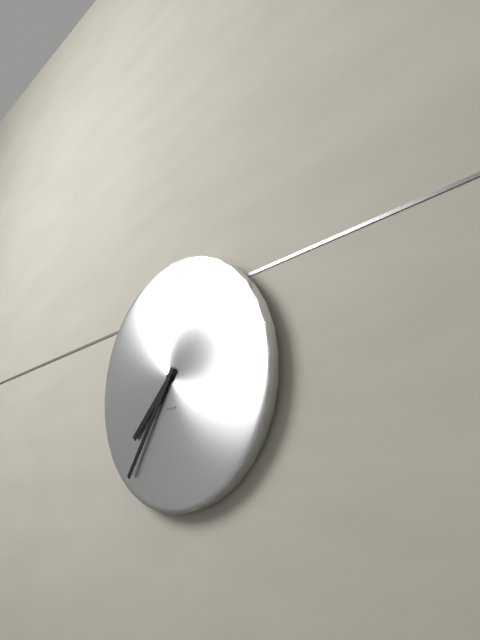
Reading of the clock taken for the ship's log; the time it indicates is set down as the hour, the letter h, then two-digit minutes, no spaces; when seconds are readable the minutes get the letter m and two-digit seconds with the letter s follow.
7h36
